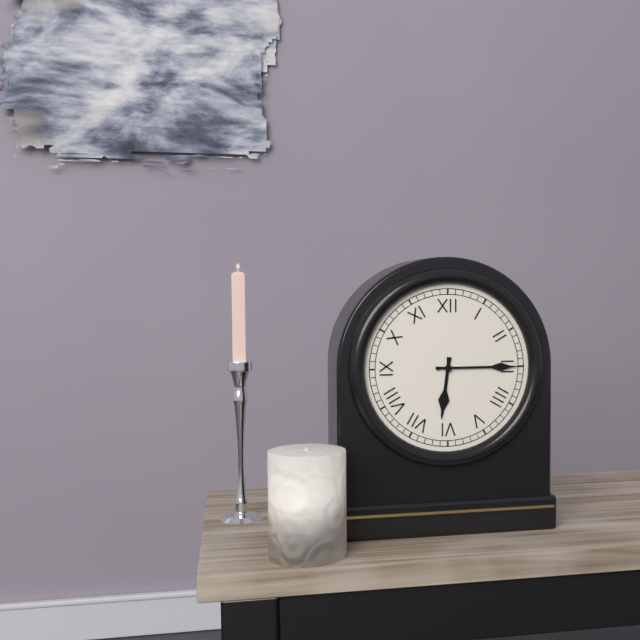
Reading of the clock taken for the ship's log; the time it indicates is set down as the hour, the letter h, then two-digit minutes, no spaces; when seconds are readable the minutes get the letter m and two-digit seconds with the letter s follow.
6h15
